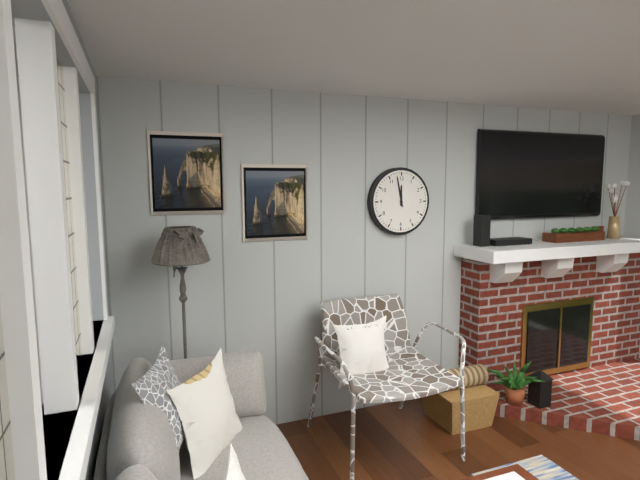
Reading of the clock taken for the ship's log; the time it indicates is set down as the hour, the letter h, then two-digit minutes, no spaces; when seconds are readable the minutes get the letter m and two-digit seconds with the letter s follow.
11h58
